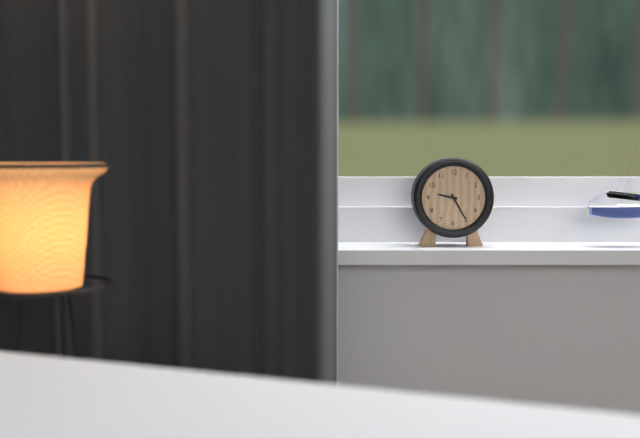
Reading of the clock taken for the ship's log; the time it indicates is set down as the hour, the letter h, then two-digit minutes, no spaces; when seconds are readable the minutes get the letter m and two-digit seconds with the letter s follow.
9h25
